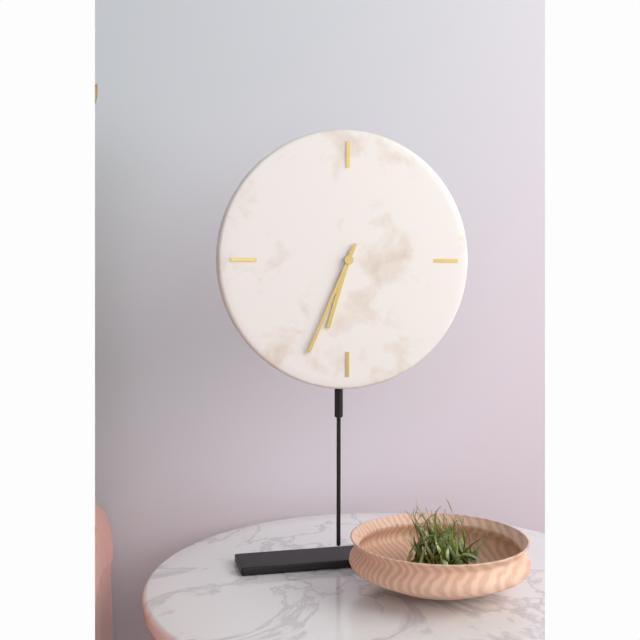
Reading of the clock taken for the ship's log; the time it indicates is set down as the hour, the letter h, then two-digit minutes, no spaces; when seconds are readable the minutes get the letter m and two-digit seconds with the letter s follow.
6h34
